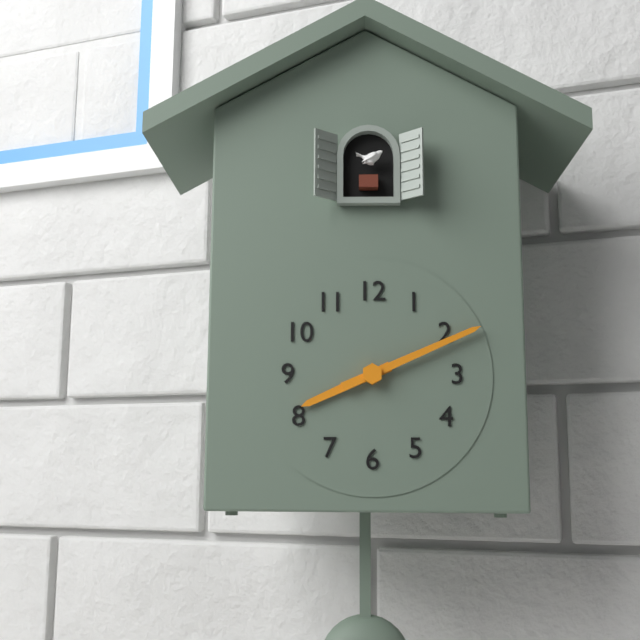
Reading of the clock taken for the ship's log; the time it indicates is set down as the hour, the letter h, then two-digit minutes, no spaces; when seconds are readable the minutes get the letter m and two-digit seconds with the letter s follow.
8h11
